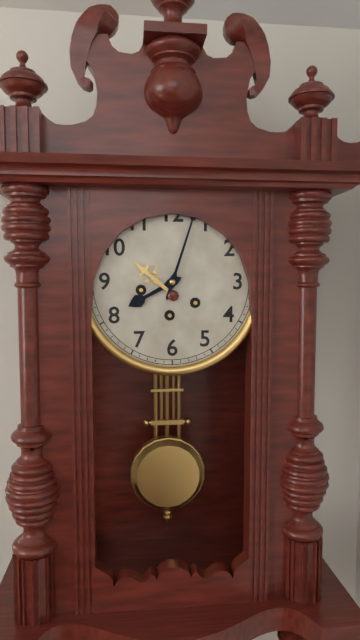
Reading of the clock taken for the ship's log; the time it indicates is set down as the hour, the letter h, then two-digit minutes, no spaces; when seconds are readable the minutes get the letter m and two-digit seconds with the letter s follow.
8h03
